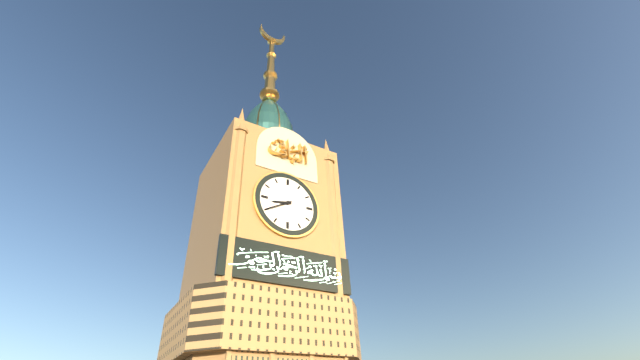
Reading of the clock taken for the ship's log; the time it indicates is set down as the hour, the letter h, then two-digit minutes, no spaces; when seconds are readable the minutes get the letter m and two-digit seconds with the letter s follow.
8h40
